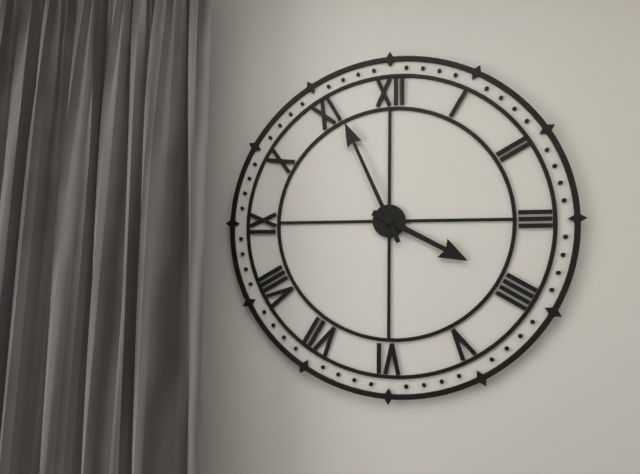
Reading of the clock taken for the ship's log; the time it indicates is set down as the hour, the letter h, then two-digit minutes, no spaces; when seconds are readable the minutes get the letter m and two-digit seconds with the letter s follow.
3h56
